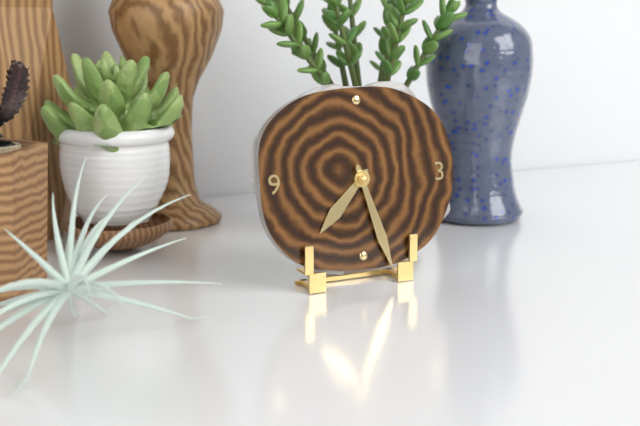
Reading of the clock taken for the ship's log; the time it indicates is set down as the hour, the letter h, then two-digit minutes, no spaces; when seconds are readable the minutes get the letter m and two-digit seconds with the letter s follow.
7h27
